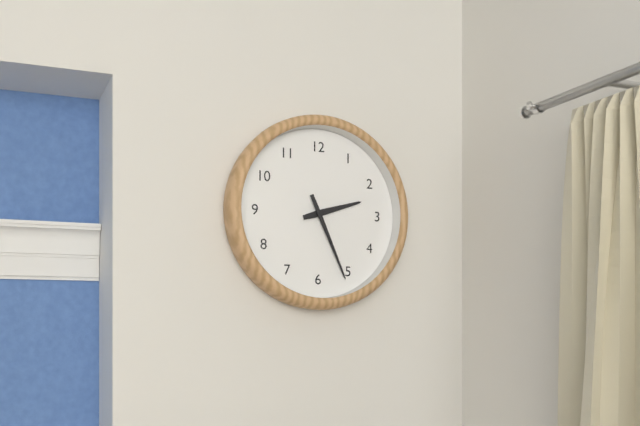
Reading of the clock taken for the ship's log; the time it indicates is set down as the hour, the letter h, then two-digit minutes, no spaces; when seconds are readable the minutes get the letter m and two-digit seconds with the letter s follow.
2h26
